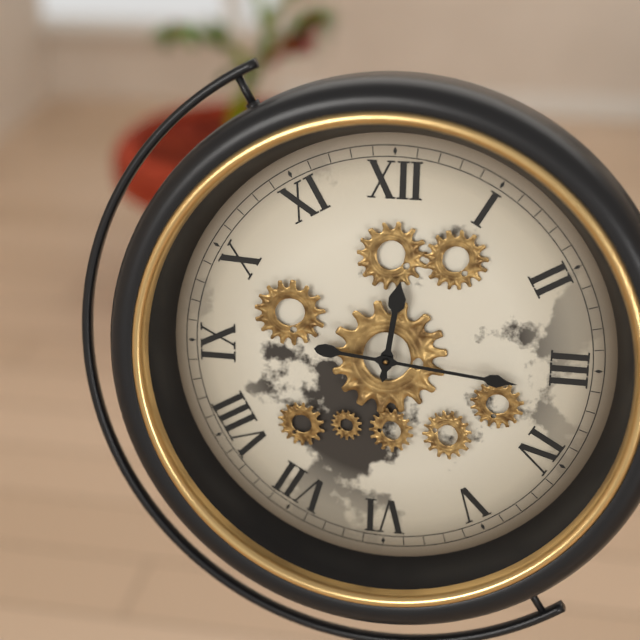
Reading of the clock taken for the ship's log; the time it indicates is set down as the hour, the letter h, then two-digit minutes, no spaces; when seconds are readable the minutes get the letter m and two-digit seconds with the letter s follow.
12h16
